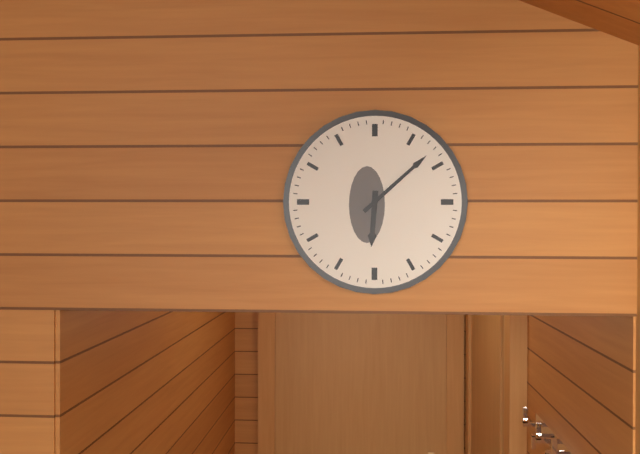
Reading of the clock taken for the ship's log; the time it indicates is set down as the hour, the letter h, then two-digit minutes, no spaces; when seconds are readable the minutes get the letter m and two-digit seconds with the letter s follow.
6h08
